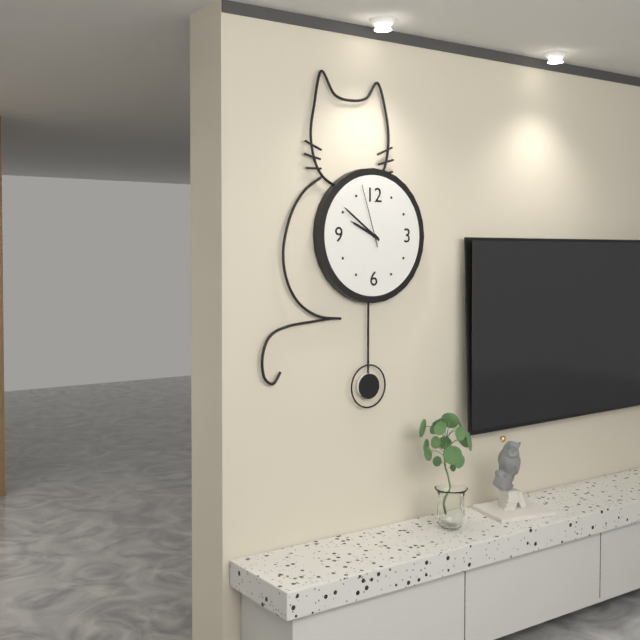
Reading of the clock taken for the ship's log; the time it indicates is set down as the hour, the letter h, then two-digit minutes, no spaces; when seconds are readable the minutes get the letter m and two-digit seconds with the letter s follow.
9h51m57s
